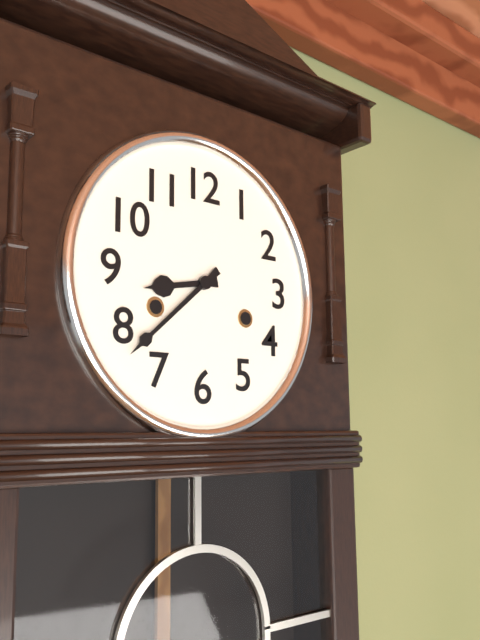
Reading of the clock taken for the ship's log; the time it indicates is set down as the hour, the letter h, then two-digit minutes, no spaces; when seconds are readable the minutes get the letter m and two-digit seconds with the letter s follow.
8h38
